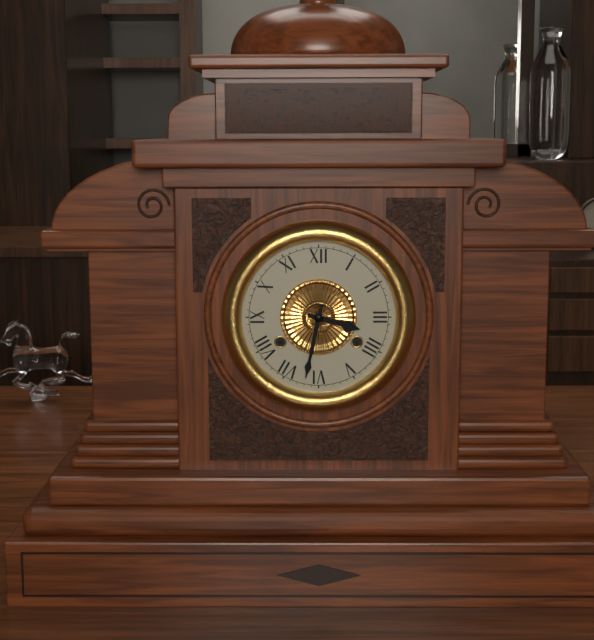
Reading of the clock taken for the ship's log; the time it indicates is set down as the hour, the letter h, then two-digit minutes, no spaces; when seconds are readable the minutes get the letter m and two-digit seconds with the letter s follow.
3h32
